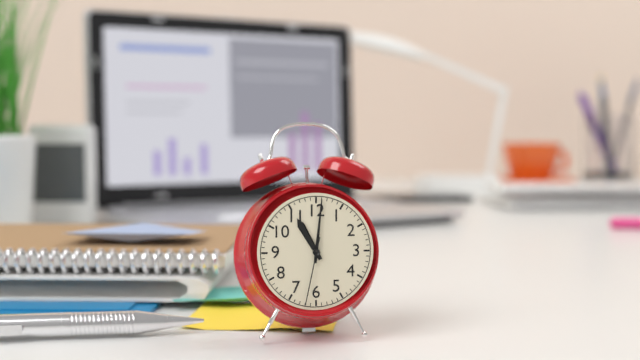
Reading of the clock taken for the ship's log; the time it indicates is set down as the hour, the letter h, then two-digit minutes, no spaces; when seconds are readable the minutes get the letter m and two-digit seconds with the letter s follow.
11h01m32s
